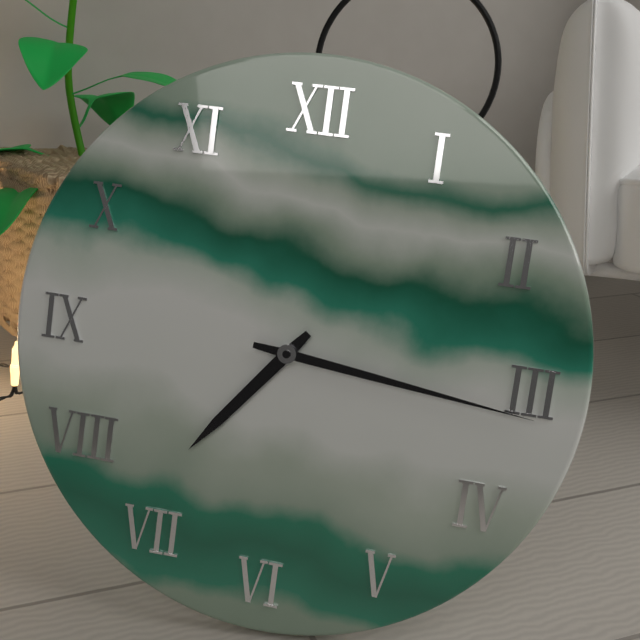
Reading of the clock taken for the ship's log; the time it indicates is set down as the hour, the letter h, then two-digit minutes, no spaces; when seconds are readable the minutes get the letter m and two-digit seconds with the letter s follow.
7h16
